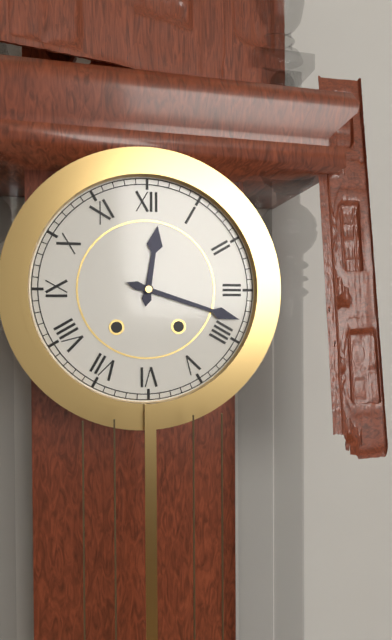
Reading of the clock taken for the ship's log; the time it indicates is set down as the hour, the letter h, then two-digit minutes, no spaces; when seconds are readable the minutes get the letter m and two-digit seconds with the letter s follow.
12h18
